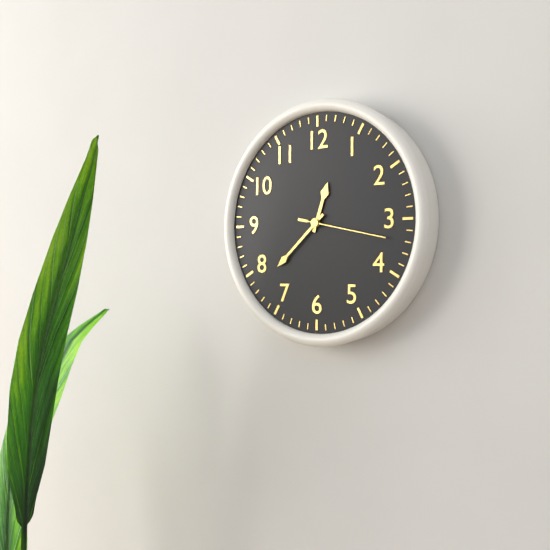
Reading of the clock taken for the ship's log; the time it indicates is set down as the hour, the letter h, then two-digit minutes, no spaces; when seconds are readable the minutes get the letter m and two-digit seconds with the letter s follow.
12h38m17s
